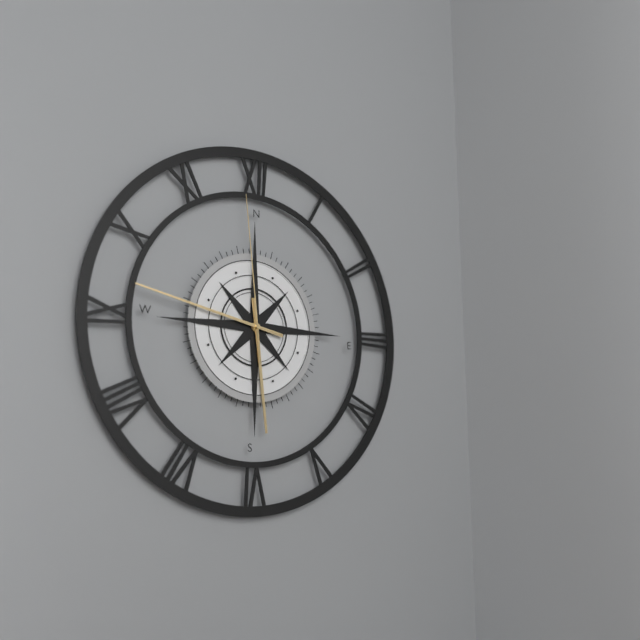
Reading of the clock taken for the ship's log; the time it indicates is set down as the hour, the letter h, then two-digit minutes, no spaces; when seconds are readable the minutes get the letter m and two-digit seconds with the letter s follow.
5h47m59s
